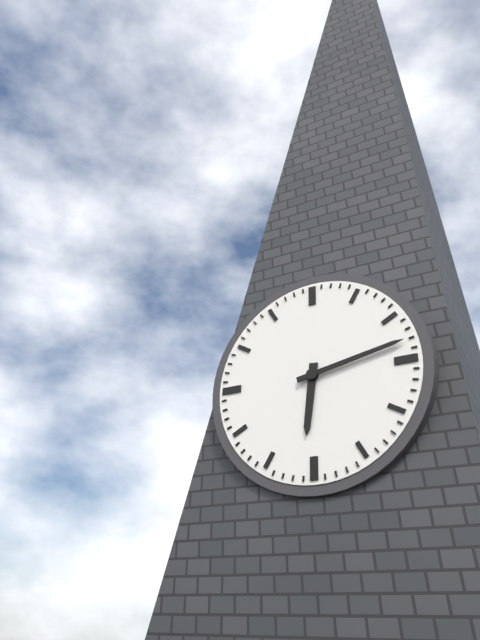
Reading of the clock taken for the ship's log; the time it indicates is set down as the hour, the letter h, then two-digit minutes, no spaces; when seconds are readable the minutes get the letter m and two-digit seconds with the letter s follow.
6h13
